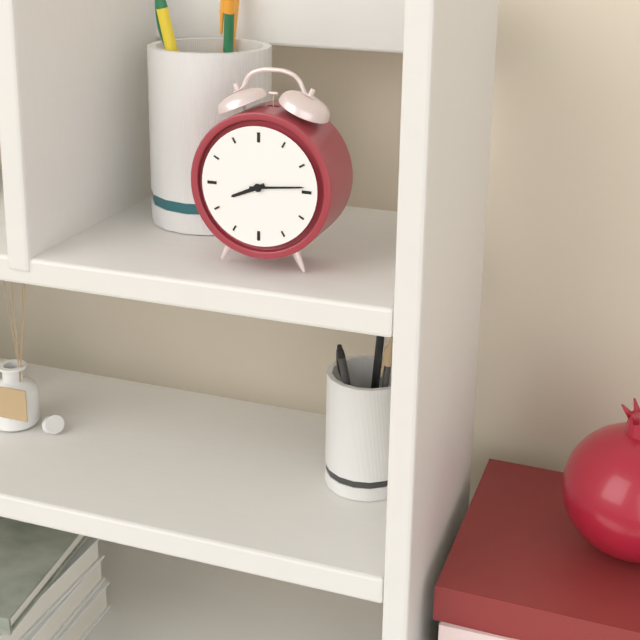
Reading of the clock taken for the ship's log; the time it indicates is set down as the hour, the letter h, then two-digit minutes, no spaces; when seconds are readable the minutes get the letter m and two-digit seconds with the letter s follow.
8h14
